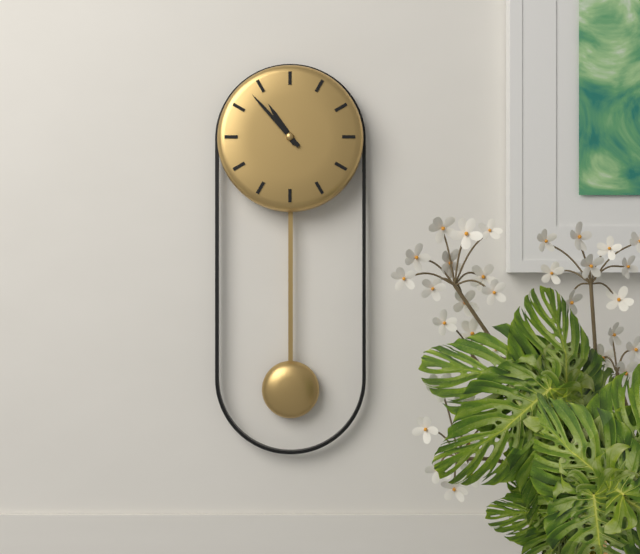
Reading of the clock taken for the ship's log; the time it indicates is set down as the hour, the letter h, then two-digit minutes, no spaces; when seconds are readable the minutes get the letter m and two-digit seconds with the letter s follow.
10h53
